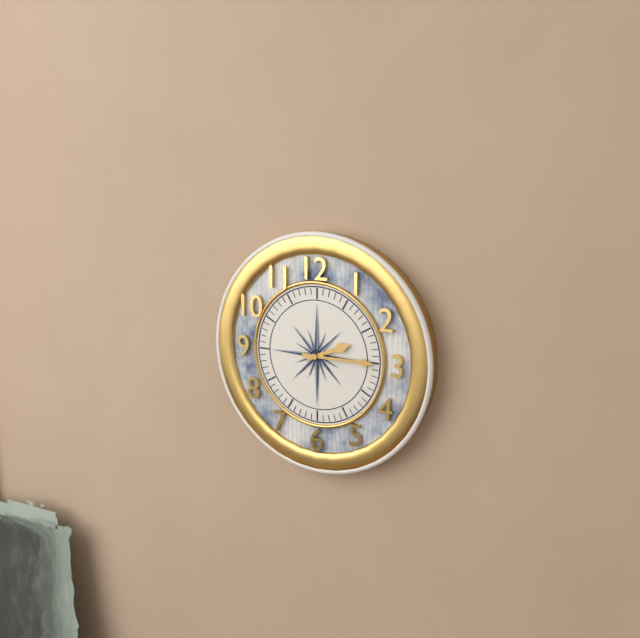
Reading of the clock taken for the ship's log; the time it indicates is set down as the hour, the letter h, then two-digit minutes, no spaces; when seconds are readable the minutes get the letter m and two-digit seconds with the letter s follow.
2h15
